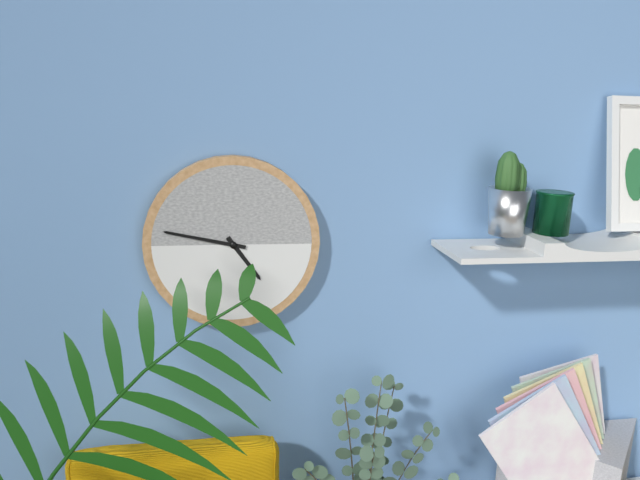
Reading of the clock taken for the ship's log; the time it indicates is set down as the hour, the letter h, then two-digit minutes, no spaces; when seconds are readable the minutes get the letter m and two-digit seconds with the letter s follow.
4h47
